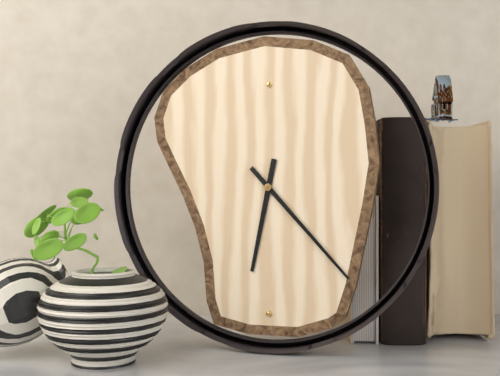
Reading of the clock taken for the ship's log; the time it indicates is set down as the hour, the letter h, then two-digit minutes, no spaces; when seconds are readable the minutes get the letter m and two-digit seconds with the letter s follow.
6h23
